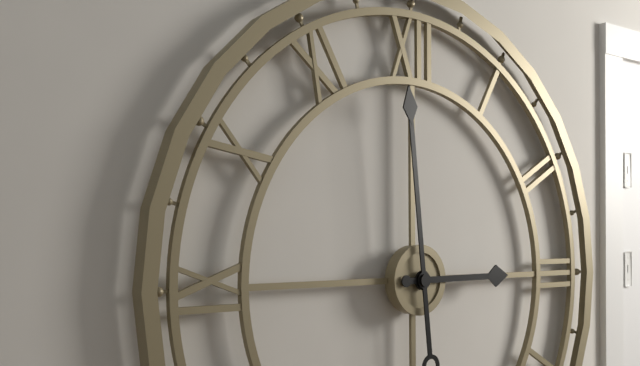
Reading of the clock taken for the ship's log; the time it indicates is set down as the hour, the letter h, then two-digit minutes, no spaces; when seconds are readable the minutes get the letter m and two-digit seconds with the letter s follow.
2h59
